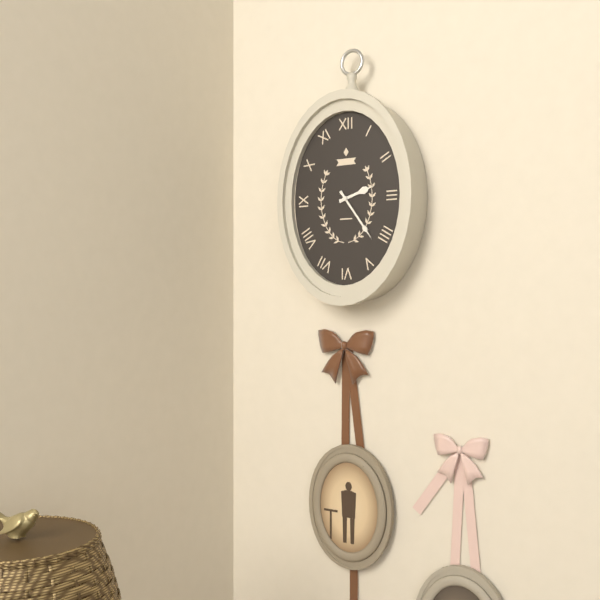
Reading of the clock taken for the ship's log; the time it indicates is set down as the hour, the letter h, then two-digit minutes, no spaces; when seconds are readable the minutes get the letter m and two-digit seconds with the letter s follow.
2h24
